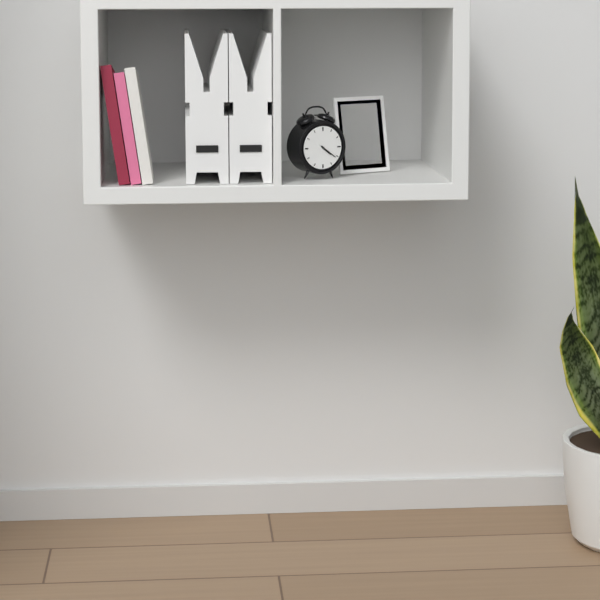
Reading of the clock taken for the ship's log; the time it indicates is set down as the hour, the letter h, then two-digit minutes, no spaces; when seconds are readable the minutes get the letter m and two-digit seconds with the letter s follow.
4h21
